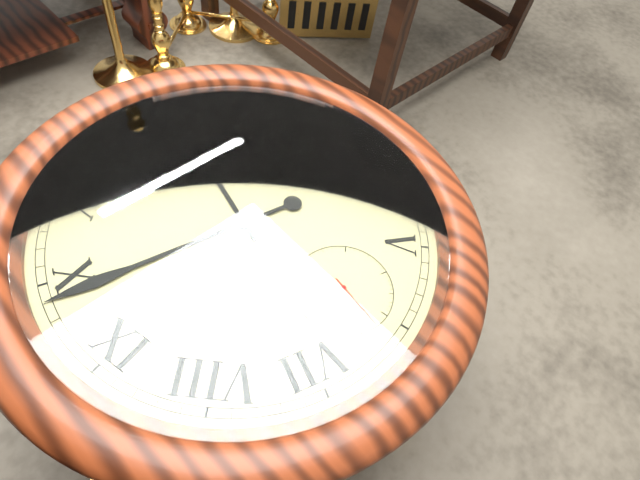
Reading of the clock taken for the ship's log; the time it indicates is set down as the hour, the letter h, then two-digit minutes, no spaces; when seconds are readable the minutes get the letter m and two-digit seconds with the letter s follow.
12h49m33s
